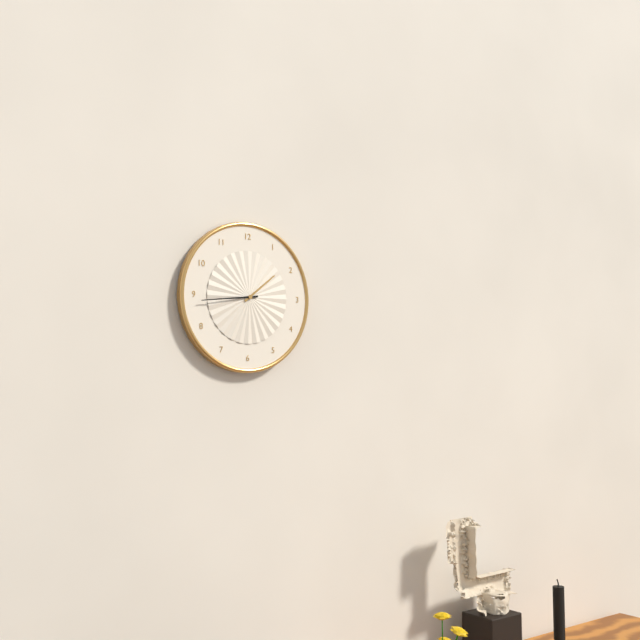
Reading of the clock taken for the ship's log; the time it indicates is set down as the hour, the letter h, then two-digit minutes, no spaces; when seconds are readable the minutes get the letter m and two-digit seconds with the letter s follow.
1h44
